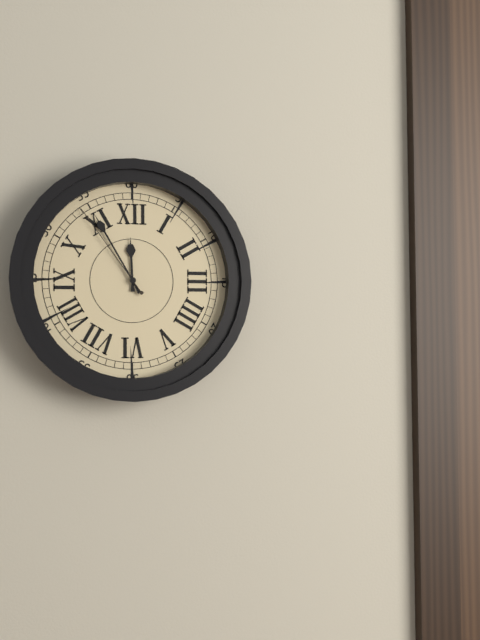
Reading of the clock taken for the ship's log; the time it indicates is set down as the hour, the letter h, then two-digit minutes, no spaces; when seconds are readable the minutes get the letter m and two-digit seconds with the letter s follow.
11h55m54s
